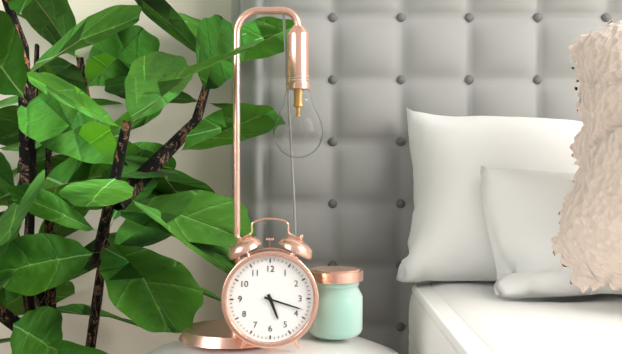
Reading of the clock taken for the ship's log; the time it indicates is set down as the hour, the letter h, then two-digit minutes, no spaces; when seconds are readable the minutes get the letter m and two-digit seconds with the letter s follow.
5h18
